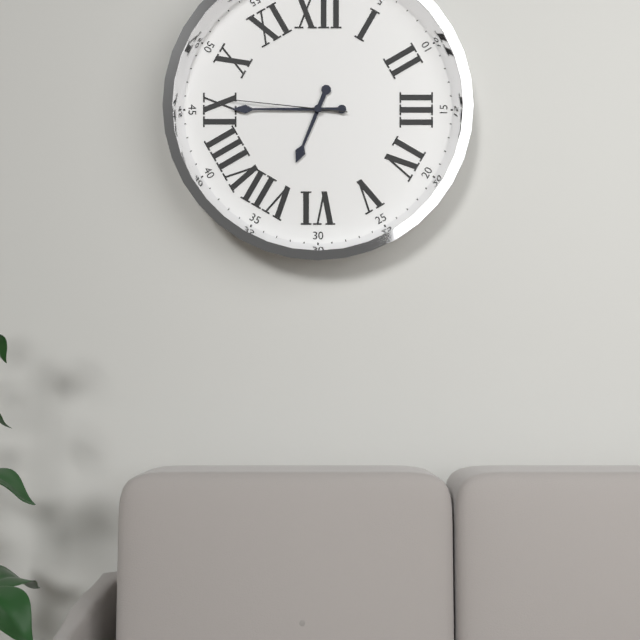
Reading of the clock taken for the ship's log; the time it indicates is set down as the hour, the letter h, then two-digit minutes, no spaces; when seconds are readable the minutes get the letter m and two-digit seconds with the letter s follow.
6h45m46s
